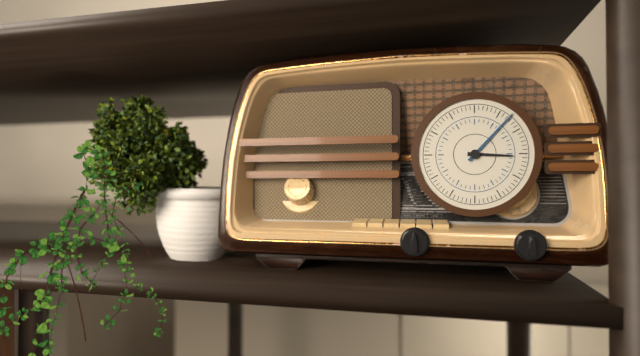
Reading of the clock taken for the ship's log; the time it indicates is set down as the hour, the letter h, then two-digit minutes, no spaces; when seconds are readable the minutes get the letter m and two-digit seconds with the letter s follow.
3h07
